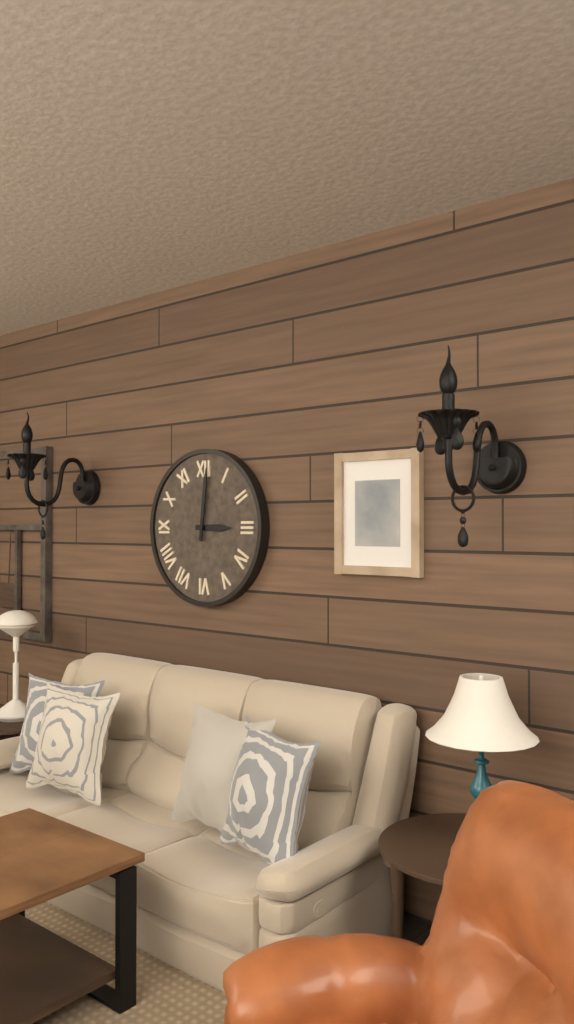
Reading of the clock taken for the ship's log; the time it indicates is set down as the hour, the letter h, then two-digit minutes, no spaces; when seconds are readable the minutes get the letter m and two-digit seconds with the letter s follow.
3h01
